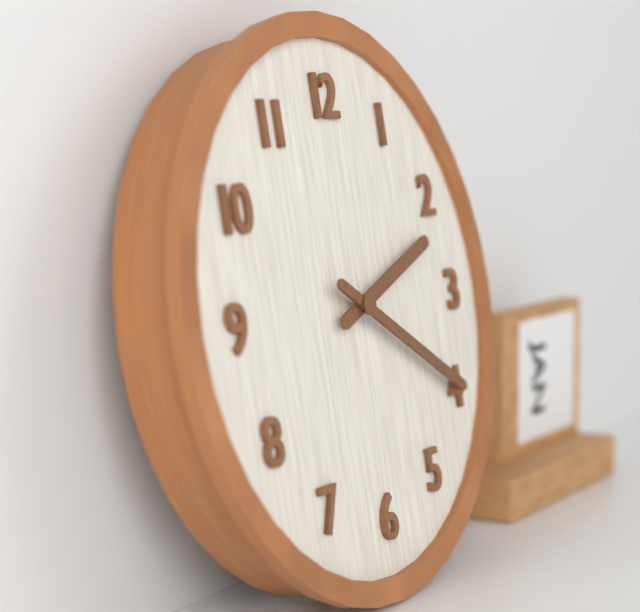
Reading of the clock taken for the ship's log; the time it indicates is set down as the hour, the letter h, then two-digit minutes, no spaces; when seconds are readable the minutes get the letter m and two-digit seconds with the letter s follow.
2h20
